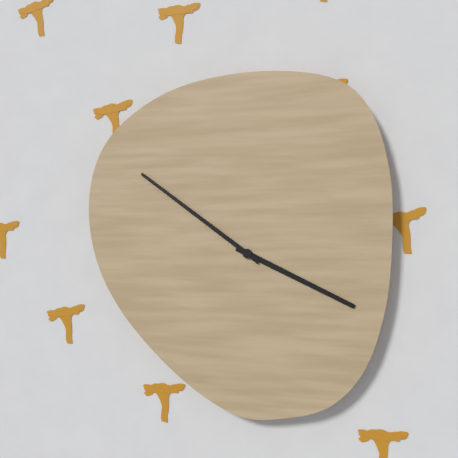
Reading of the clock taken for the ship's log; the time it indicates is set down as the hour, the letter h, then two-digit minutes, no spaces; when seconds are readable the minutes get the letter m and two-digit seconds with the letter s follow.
3h51
